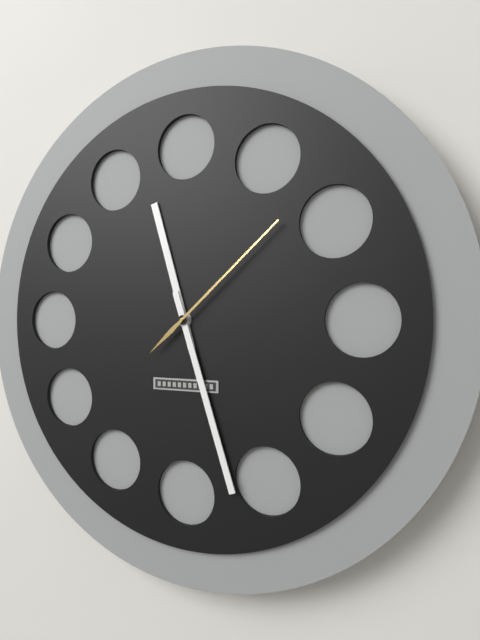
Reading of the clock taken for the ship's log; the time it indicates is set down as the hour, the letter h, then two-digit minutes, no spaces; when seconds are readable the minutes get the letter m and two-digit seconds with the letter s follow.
11h27m08s
